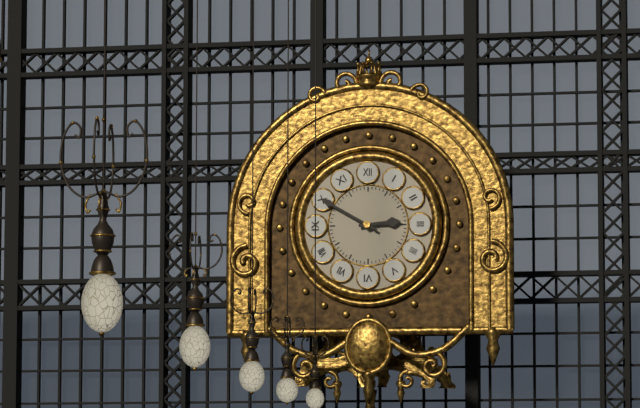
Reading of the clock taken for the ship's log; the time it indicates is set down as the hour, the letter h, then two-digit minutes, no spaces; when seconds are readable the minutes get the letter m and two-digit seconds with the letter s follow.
2h50
